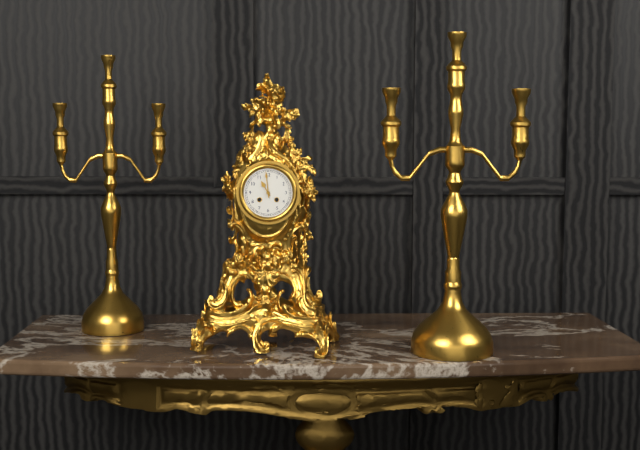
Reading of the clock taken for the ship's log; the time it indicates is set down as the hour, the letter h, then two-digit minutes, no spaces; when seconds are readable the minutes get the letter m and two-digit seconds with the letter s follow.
10h59
